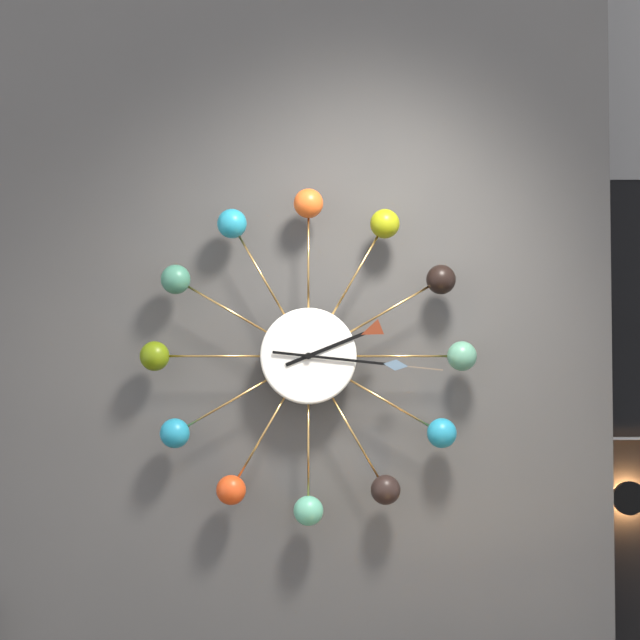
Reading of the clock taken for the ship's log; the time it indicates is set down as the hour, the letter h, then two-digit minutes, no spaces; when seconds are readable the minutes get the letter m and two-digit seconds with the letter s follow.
2h16
